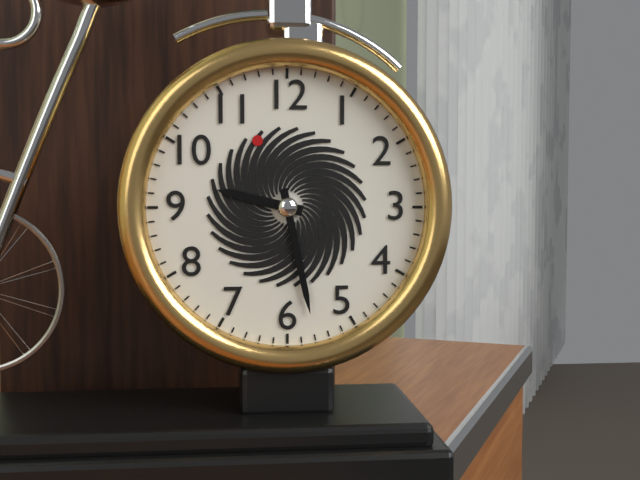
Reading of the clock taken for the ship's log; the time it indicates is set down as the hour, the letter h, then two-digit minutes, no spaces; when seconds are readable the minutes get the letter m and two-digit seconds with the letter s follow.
9h28
